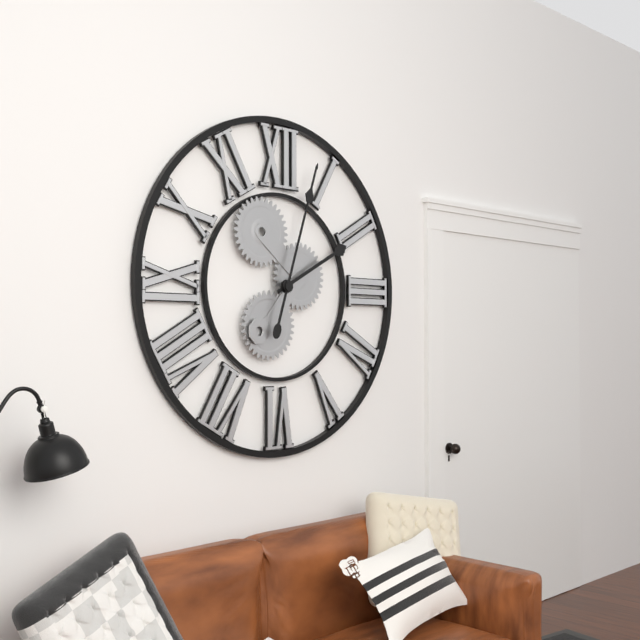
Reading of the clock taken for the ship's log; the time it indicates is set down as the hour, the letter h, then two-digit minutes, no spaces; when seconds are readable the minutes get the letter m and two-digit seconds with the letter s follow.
2h03
